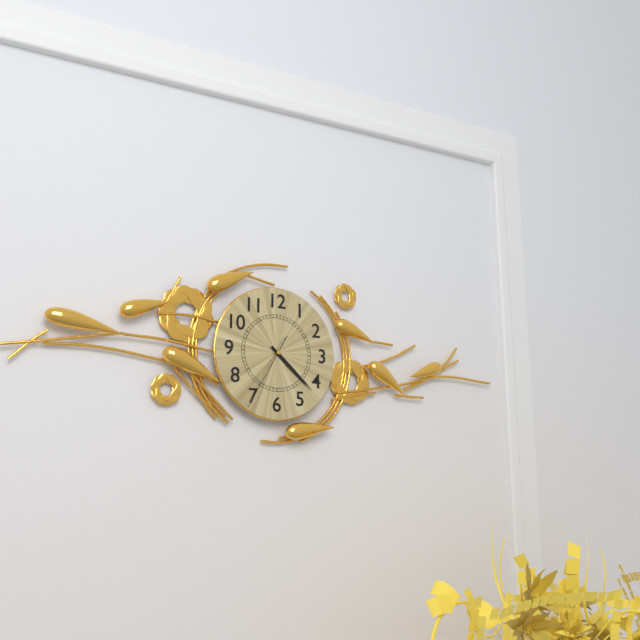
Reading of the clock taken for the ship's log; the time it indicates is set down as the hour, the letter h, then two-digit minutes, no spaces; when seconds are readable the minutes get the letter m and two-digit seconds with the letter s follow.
4h22m35s
